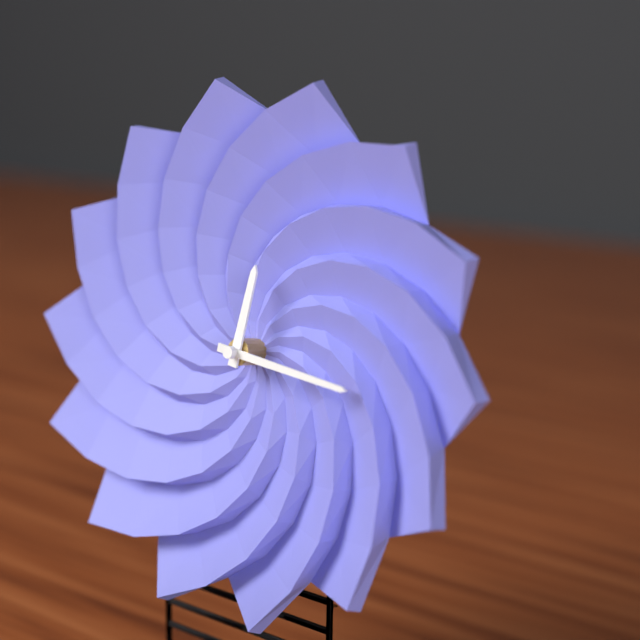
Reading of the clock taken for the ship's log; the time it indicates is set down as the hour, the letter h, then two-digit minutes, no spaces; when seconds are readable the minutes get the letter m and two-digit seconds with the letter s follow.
12h16
